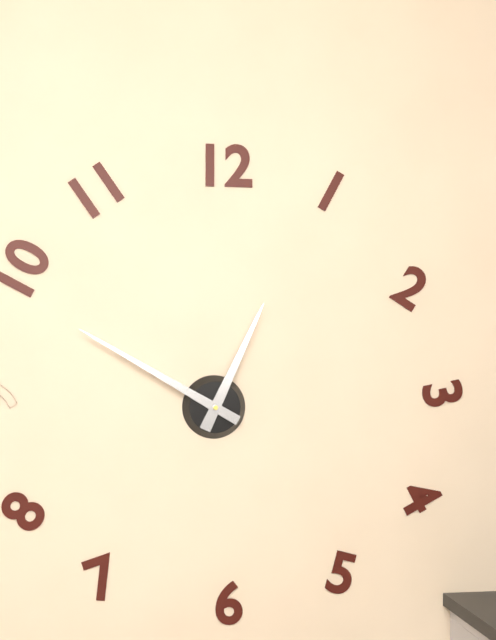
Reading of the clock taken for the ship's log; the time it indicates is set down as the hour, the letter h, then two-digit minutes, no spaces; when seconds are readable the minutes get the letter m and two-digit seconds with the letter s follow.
12h50
